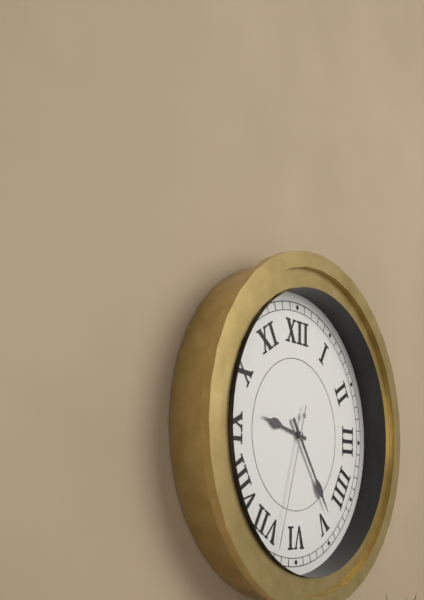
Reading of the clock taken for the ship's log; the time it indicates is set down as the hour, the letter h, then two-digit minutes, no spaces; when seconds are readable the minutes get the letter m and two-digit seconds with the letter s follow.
9h24m33s
